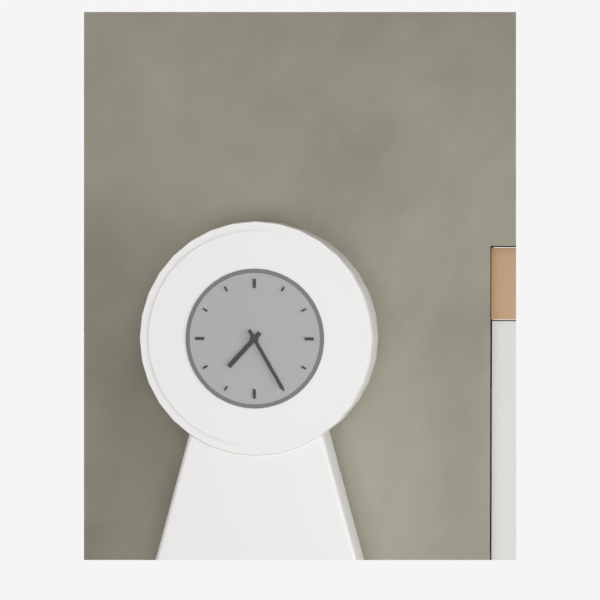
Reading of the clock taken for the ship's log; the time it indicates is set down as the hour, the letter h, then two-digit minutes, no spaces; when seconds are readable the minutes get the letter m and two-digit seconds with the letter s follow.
7h25
